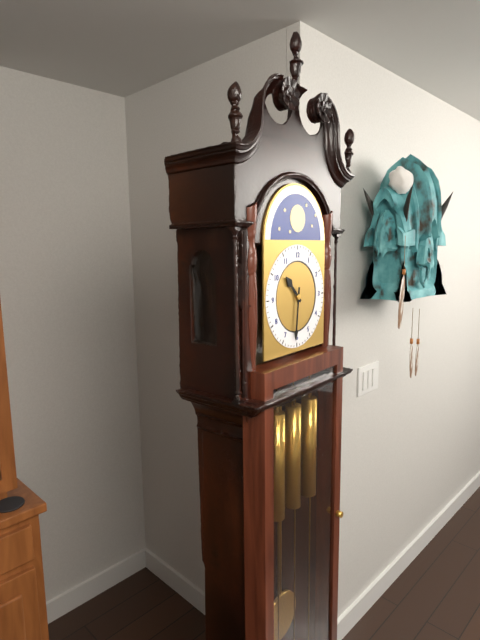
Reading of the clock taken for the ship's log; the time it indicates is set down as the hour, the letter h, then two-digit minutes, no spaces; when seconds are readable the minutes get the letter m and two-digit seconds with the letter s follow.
10h31
